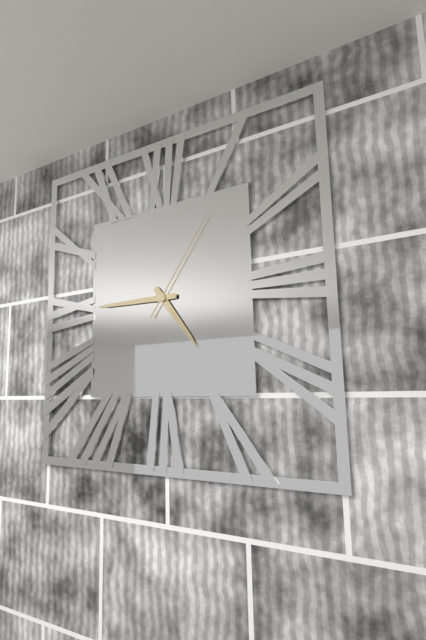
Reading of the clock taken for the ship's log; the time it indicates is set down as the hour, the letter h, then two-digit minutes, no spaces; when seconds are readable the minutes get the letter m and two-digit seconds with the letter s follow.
4h45m06s
